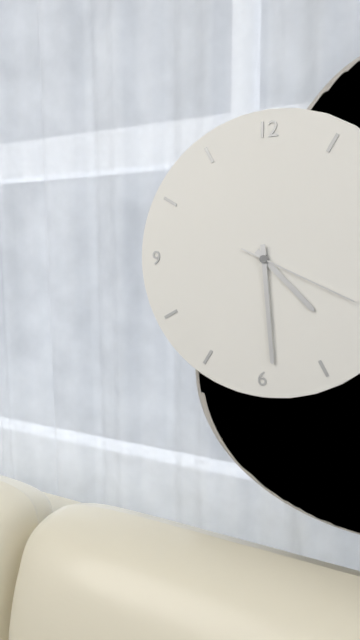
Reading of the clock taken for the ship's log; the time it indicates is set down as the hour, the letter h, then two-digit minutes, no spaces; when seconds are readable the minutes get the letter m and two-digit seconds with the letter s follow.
4h29m19s
